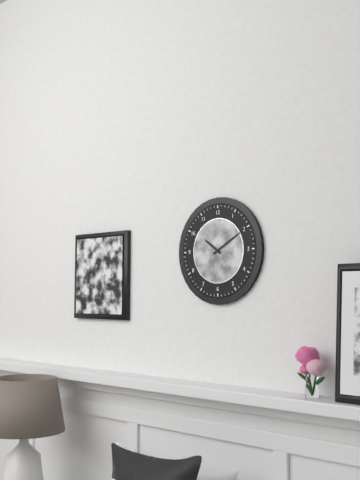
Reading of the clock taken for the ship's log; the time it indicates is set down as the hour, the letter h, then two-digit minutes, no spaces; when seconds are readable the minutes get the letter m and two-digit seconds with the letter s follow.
10h10
